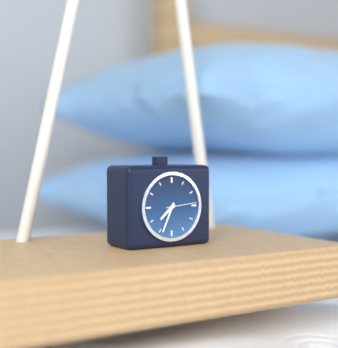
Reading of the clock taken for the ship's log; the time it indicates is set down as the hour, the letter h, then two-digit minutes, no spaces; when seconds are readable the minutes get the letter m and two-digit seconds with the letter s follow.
7h34
